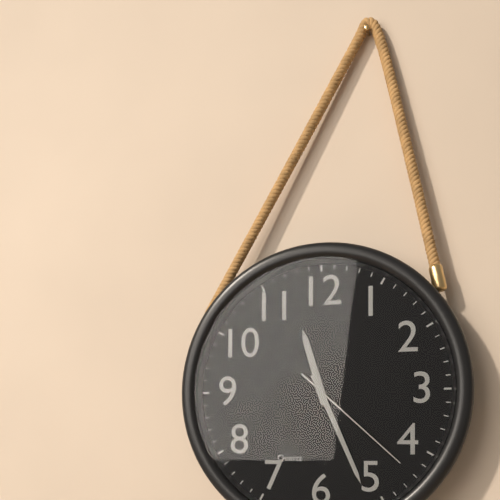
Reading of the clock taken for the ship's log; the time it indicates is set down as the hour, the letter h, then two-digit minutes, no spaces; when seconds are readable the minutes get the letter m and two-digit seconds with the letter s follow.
11h26m22s
